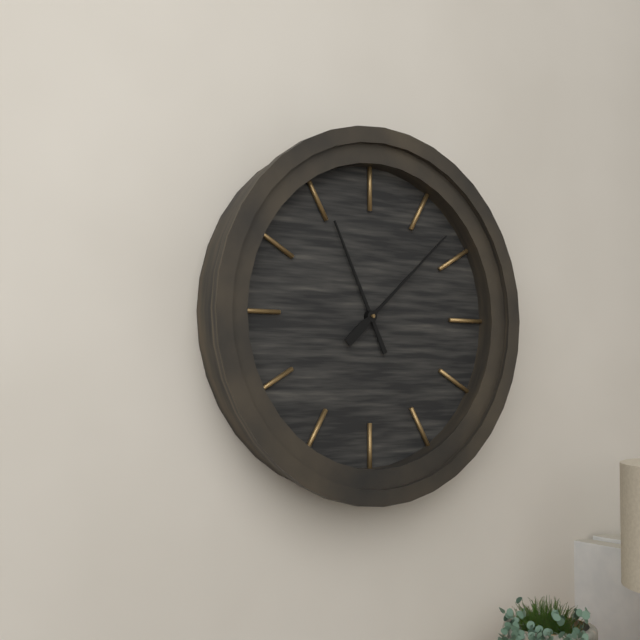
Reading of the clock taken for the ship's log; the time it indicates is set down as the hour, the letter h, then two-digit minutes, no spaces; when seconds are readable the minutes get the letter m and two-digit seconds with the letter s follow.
11h08
